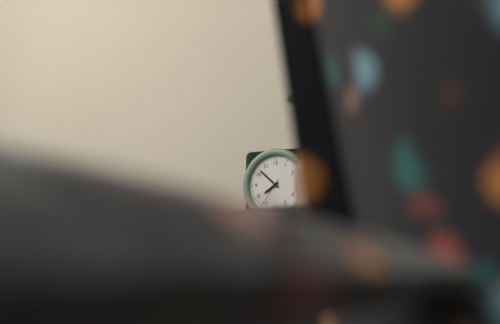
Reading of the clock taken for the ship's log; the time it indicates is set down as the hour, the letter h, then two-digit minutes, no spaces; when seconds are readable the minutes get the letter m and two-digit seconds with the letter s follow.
7h52
